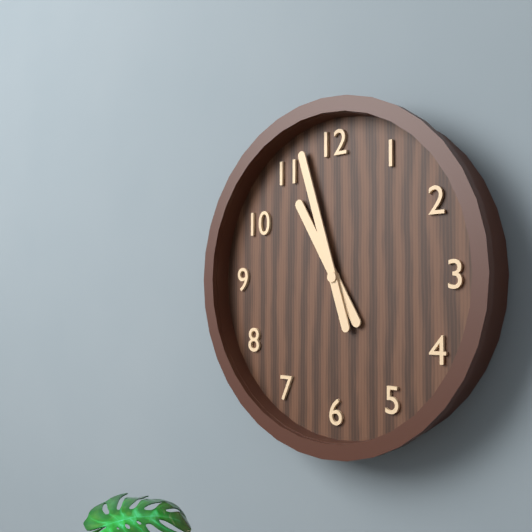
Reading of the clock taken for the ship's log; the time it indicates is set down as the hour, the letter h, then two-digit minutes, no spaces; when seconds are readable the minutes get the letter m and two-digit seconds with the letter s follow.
10h57
